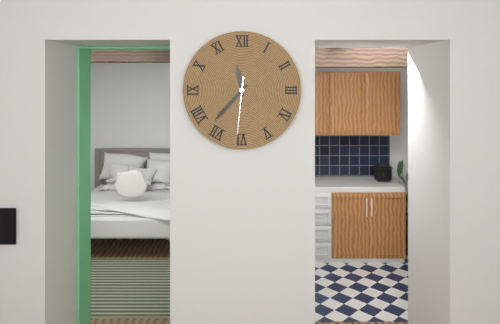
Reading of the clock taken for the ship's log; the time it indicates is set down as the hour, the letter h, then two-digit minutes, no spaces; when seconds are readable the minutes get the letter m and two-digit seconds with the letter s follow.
11h37m31s
